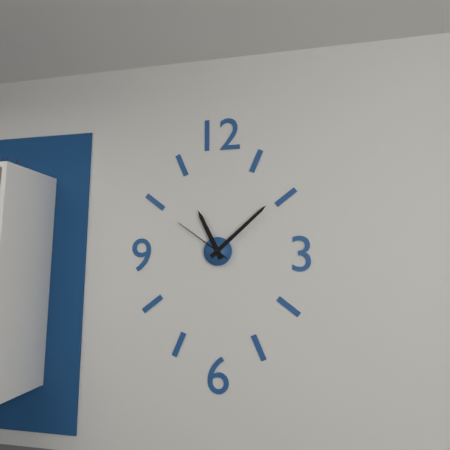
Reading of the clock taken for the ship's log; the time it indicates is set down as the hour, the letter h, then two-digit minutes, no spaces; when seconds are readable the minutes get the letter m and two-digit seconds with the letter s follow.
11h08m51s
